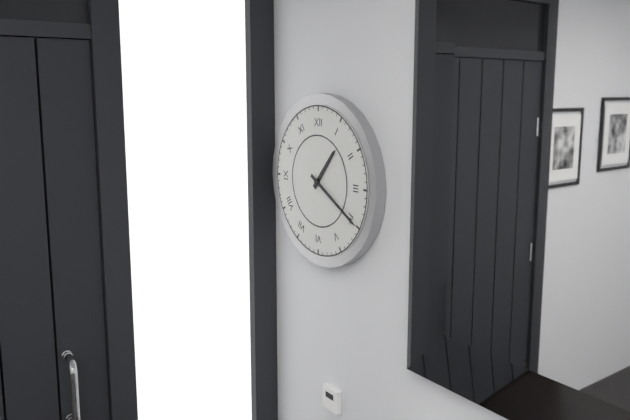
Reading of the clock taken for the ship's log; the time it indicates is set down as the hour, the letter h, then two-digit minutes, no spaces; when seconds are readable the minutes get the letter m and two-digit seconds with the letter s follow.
1h20
